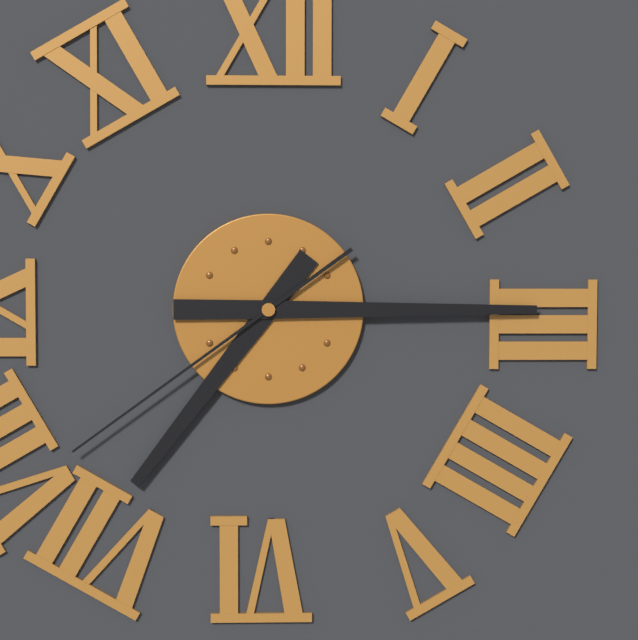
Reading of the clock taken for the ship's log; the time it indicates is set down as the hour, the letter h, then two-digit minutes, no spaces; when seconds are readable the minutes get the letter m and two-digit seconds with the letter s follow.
7h15m39s
